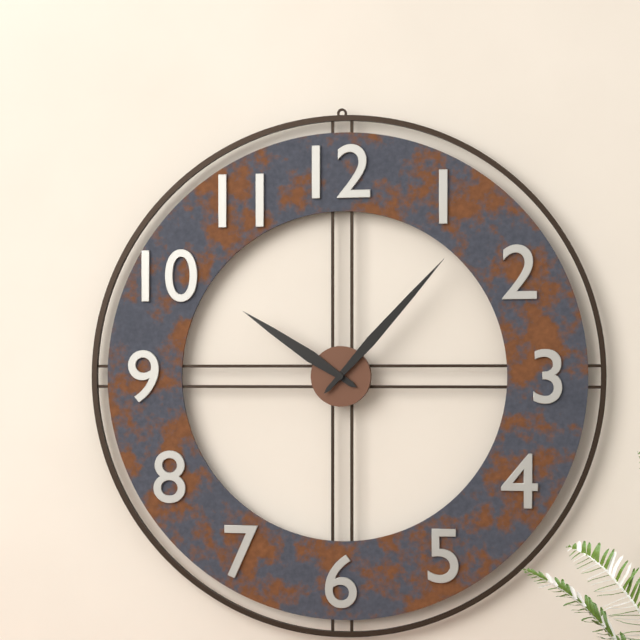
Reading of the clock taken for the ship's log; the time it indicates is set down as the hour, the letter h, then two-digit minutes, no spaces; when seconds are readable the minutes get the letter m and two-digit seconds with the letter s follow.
10h07
